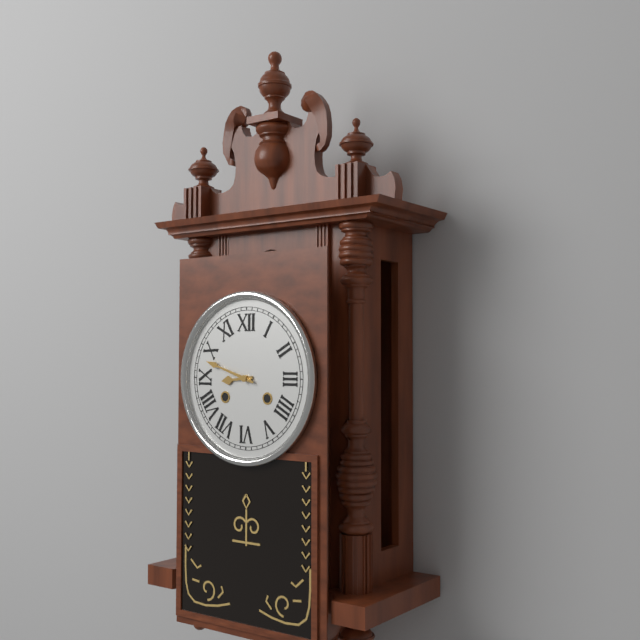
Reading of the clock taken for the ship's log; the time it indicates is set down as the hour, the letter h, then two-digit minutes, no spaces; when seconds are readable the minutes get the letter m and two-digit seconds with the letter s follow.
8h48
